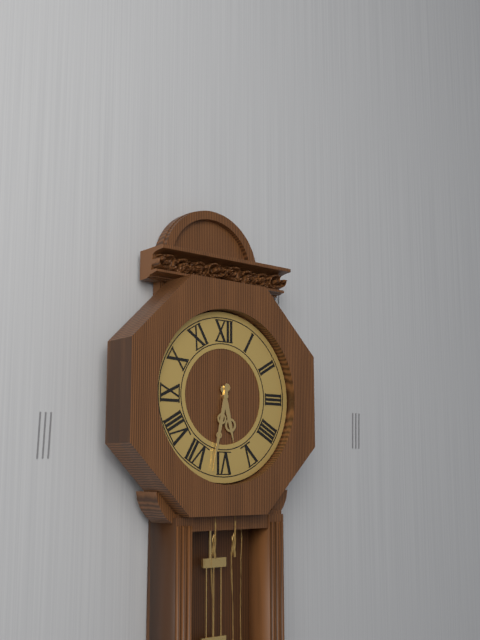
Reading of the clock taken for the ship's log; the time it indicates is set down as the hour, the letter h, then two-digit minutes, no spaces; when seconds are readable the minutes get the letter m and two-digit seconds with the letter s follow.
5h32
